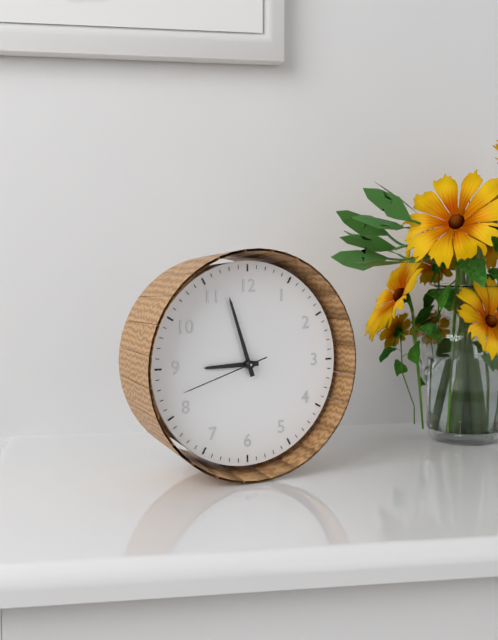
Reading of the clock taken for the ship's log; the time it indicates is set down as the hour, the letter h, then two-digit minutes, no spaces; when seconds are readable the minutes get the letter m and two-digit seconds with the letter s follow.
8h57m42s
